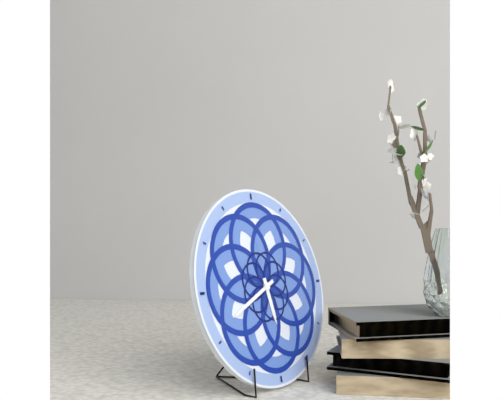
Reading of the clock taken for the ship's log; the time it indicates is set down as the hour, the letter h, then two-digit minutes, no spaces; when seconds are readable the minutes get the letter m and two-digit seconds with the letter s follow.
5h41
